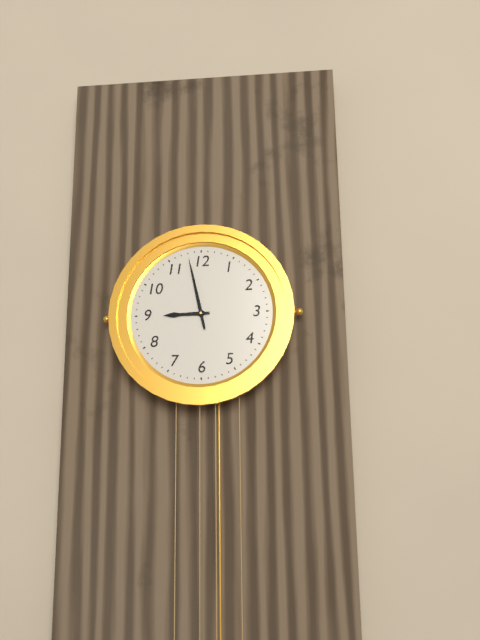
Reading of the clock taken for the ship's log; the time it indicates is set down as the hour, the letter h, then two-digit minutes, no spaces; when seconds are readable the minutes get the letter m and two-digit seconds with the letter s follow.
8h58
